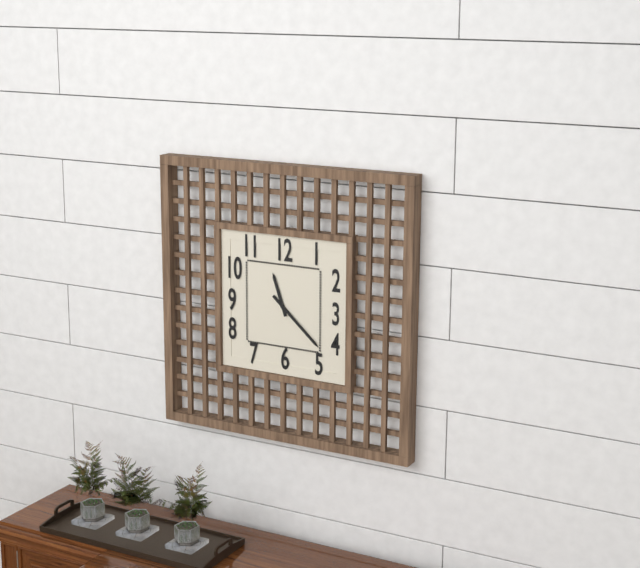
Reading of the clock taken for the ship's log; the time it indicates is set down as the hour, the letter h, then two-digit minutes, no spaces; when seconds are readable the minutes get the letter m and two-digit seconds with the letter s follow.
11h22
